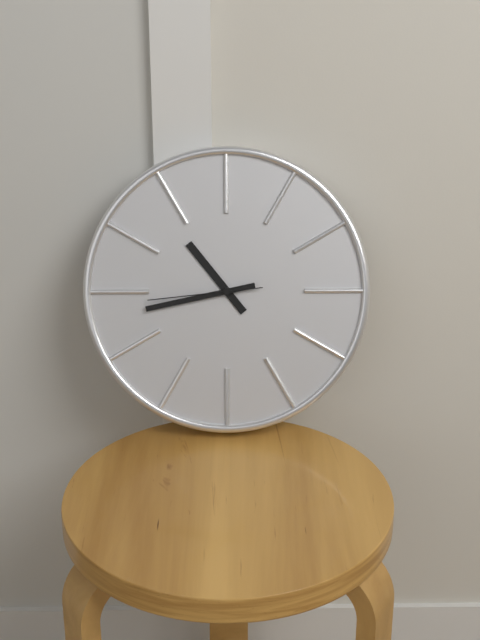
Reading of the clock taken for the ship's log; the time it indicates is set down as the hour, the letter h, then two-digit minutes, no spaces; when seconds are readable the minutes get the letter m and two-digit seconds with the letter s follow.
10h43m44s
